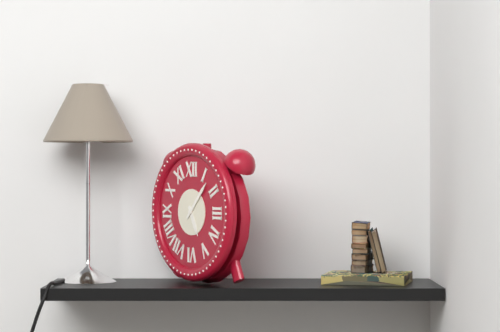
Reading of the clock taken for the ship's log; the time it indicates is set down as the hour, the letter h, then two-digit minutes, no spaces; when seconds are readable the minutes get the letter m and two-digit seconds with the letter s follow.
5h07
